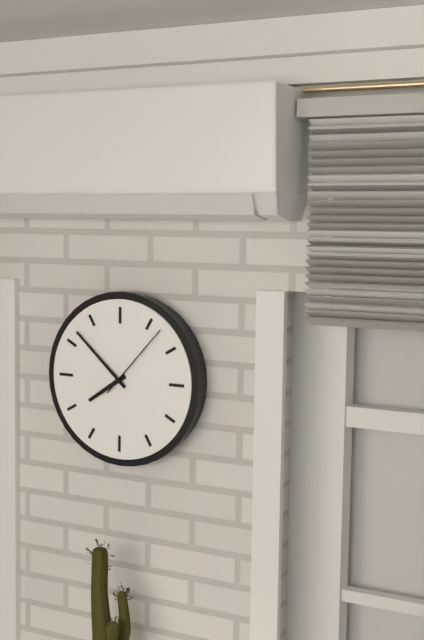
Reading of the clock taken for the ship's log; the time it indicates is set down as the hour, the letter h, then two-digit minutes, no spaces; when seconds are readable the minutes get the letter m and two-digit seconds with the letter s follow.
7h52m07s
